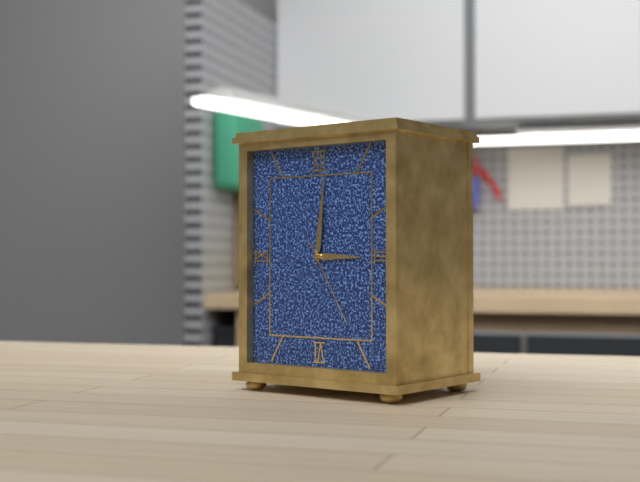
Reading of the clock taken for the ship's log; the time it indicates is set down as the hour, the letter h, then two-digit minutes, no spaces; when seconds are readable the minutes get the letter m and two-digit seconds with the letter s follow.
3h01m25s
